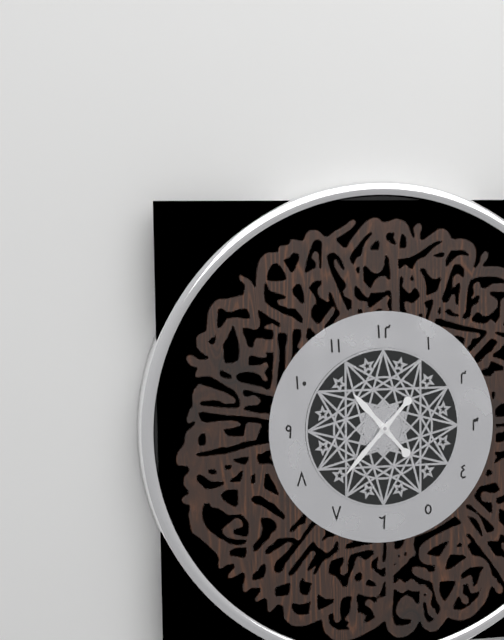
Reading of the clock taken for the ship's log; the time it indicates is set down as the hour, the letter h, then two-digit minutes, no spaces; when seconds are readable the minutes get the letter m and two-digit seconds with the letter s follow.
10h37
